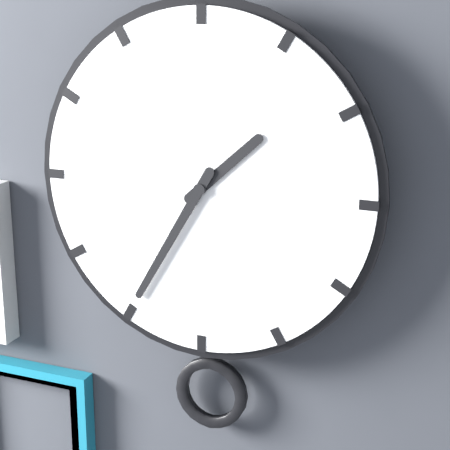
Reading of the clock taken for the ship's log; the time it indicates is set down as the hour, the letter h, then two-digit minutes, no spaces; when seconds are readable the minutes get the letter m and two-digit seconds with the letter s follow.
1h35
